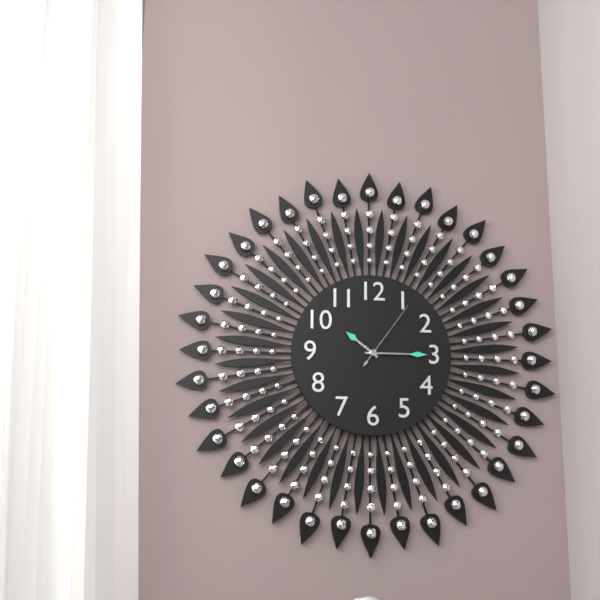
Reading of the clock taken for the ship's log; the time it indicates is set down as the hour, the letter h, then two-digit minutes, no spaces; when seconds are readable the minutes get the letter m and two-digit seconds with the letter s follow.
10h15m06s
